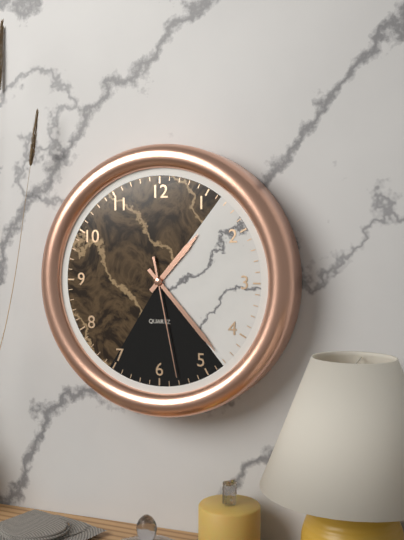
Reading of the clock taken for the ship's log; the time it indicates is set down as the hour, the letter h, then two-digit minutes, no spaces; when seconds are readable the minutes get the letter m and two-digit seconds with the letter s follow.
1h23m28s
